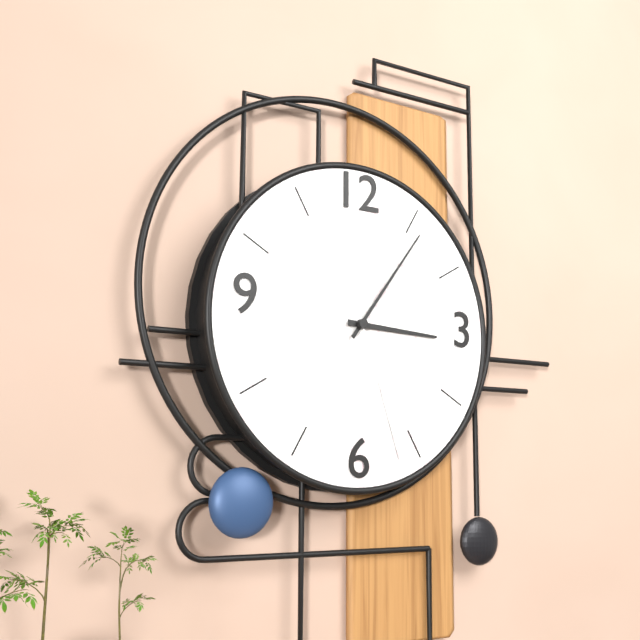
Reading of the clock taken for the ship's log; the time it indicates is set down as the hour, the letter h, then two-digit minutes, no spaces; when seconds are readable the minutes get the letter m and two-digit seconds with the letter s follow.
3h06m27s
